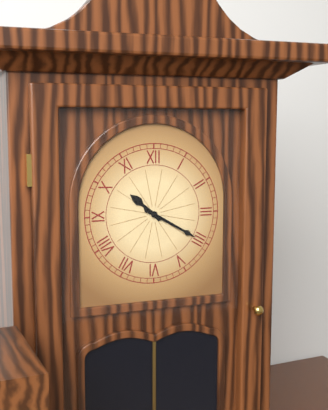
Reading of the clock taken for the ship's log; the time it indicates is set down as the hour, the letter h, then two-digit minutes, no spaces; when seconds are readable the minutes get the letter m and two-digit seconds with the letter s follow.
10h20
